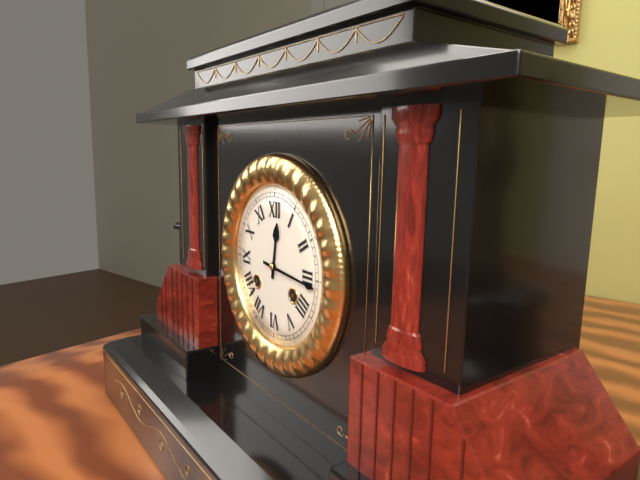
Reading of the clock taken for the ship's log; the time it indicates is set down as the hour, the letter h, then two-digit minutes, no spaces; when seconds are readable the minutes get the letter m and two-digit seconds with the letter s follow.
12h16
